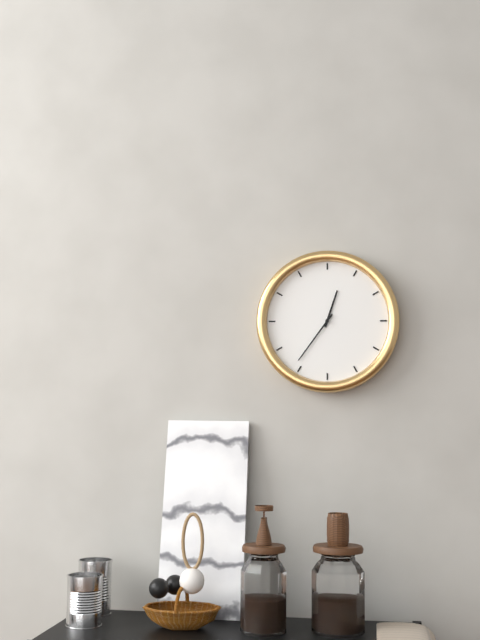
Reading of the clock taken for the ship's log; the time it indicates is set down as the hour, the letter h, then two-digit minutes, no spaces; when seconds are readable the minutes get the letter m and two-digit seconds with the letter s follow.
12h36
